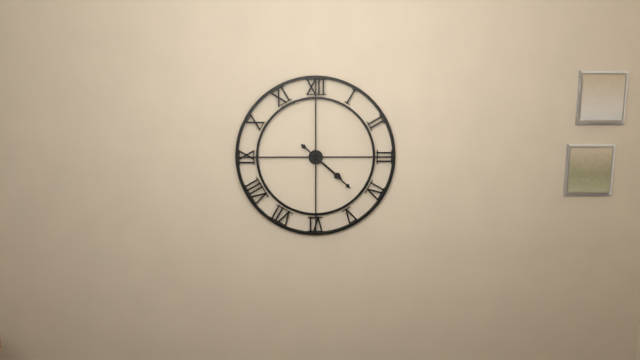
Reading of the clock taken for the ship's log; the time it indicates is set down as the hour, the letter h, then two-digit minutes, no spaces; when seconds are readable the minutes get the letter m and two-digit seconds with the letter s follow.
4h22
